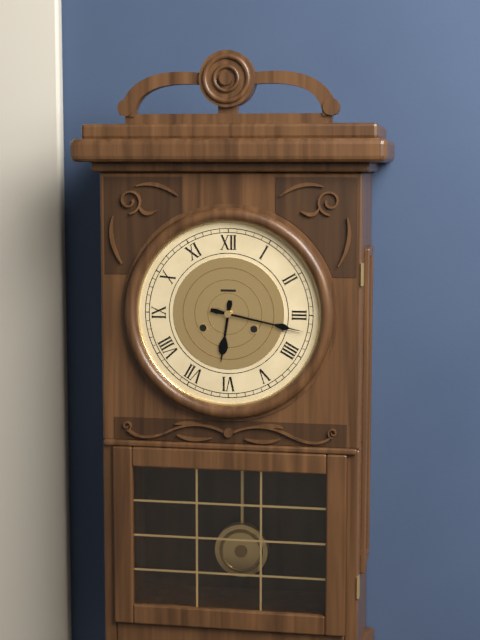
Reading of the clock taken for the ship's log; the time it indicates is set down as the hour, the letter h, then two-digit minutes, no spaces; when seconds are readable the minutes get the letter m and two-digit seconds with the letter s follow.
6h17
